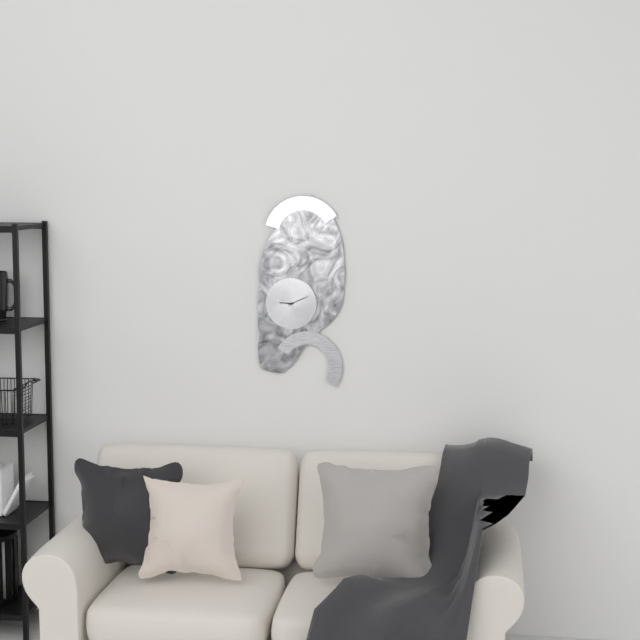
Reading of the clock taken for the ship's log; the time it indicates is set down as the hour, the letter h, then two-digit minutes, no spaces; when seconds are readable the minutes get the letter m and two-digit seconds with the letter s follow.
9h11
